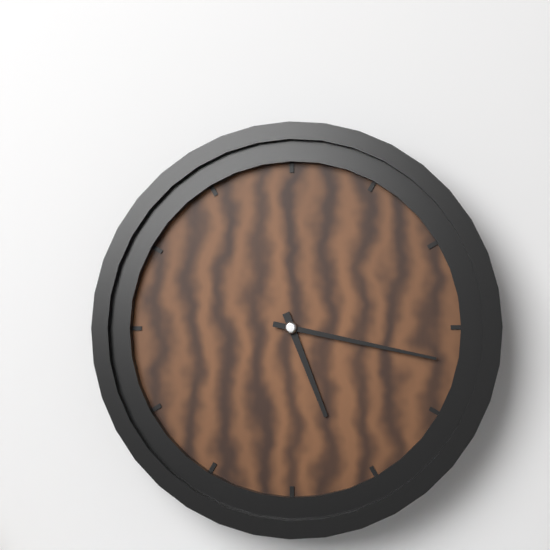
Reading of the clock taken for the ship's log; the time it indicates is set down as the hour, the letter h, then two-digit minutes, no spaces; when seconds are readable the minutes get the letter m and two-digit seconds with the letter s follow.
5h17
